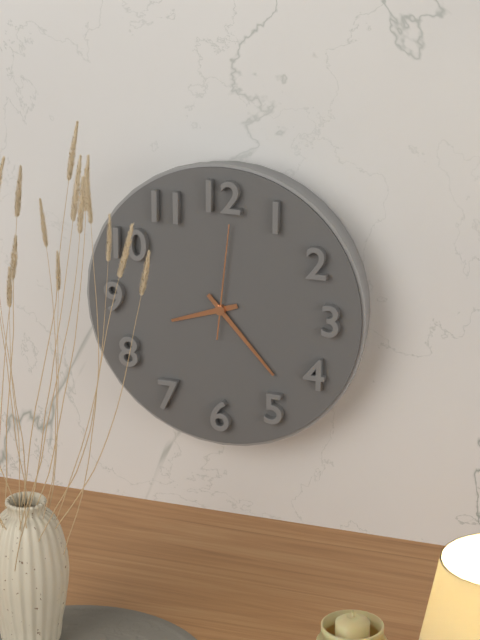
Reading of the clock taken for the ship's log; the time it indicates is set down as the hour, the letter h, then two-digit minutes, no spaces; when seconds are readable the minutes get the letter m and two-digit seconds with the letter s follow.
8h23m01s
